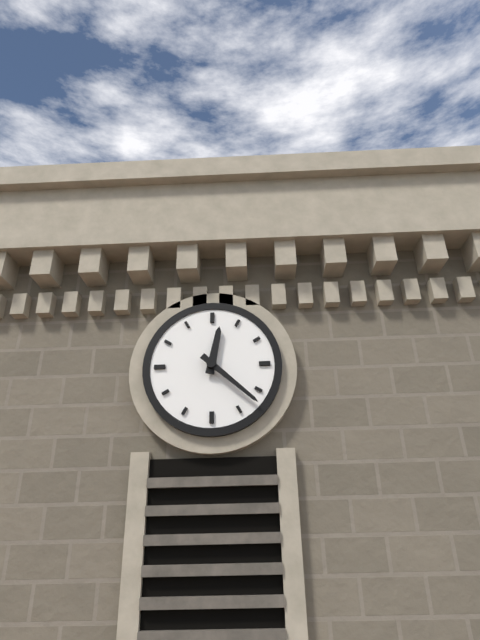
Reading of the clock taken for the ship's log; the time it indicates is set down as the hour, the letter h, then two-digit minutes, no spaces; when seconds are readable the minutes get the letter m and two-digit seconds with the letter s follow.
12h22
